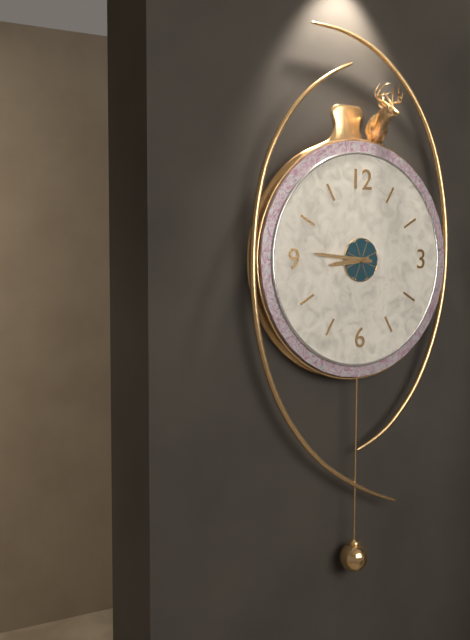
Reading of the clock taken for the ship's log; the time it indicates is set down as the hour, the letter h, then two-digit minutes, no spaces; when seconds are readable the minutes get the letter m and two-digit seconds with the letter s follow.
8h46
